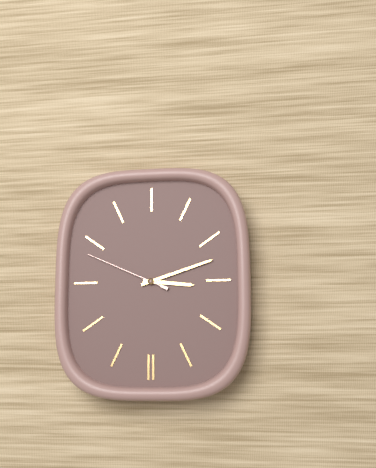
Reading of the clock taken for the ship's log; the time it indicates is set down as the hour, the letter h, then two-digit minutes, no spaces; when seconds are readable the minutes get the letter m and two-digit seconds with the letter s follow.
3h12m49s
